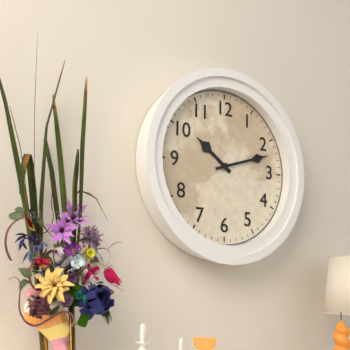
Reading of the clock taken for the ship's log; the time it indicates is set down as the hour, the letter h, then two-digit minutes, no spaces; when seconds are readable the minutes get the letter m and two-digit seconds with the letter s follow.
10h12
